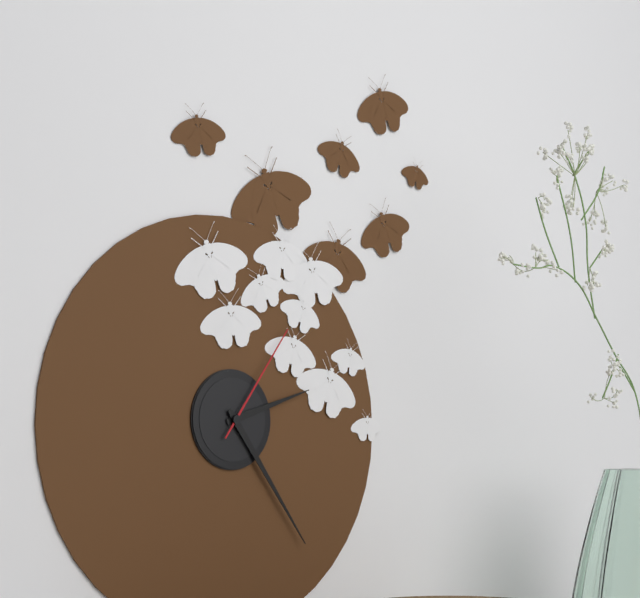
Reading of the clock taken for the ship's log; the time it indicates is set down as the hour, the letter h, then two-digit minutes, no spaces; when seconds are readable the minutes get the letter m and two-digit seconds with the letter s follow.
2h24m06s
